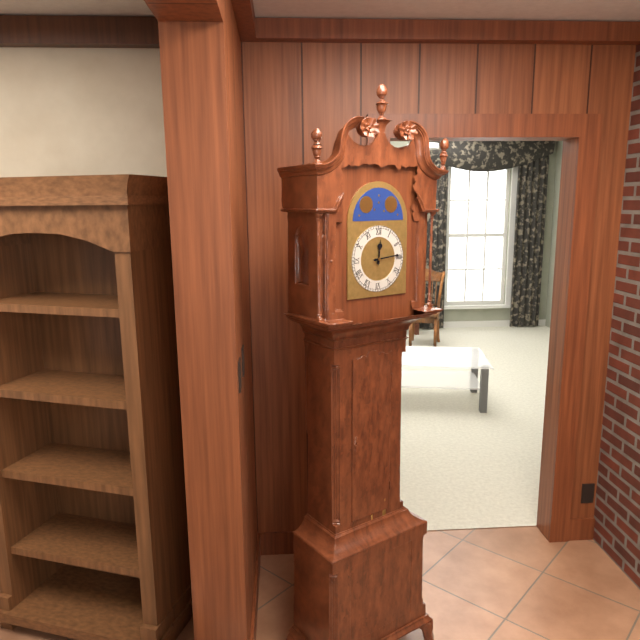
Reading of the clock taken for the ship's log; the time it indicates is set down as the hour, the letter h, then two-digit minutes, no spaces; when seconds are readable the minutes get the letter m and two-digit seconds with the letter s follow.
12h14
